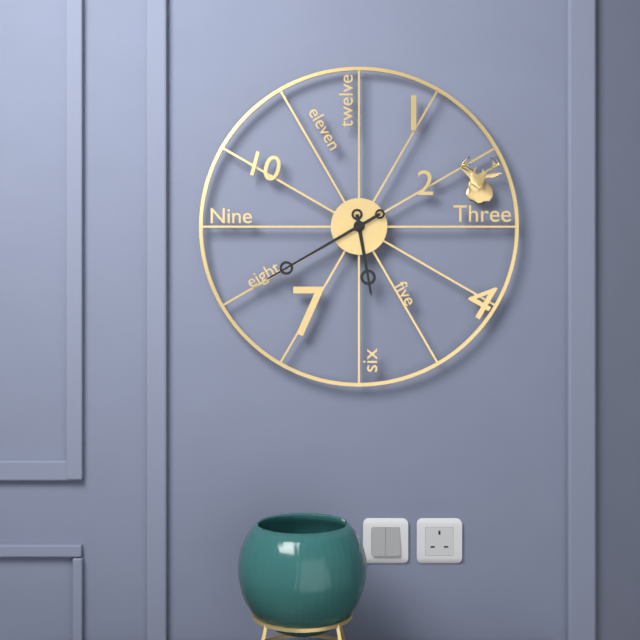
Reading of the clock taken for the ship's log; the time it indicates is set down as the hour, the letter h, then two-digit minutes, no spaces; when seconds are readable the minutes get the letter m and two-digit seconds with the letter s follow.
5h40
